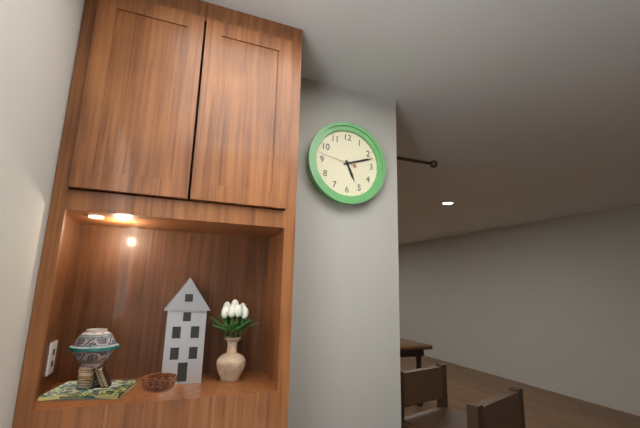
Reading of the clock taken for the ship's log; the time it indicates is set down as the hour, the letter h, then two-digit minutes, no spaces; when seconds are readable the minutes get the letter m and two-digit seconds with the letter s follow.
5h12
